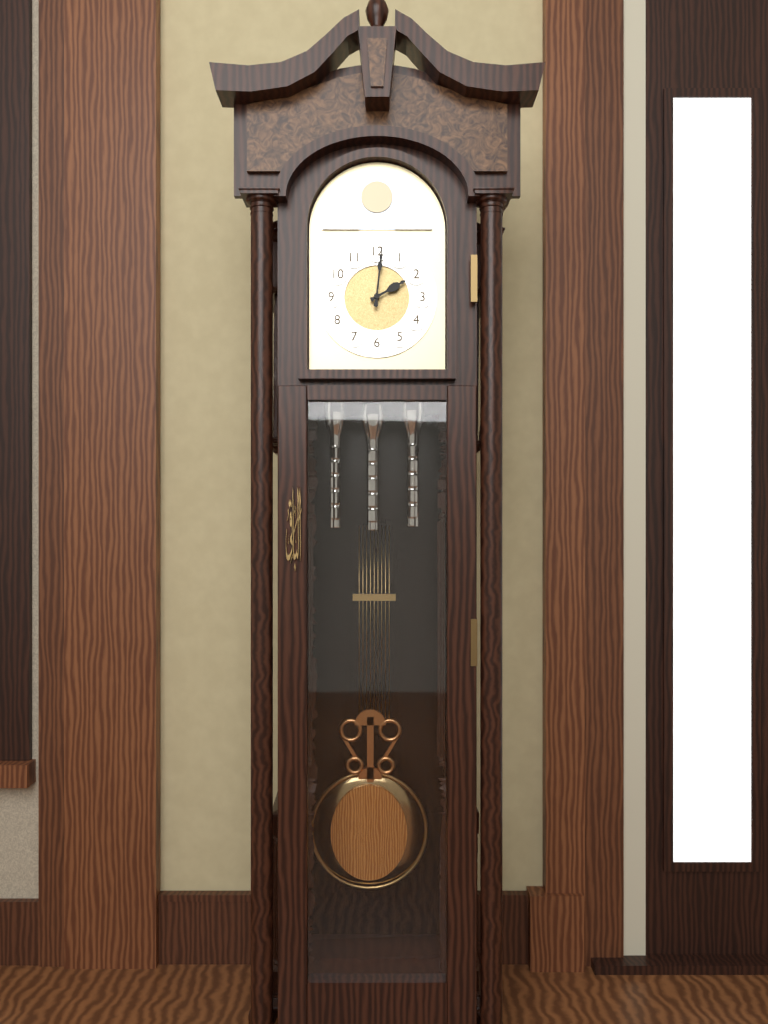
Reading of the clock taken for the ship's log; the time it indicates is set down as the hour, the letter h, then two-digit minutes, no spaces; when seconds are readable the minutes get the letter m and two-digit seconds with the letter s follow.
2h01
